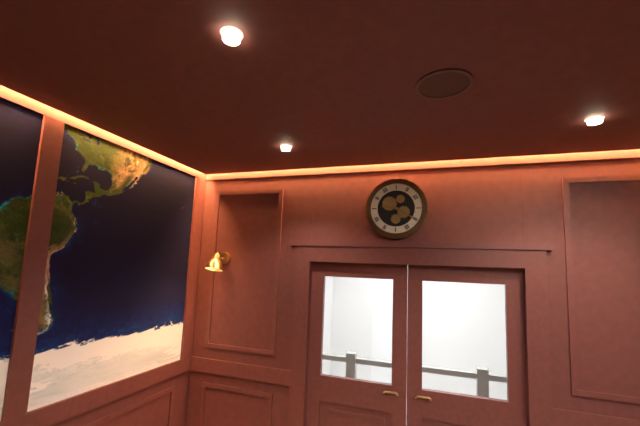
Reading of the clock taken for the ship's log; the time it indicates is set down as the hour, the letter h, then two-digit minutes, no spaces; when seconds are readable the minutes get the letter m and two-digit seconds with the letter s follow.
9h20
